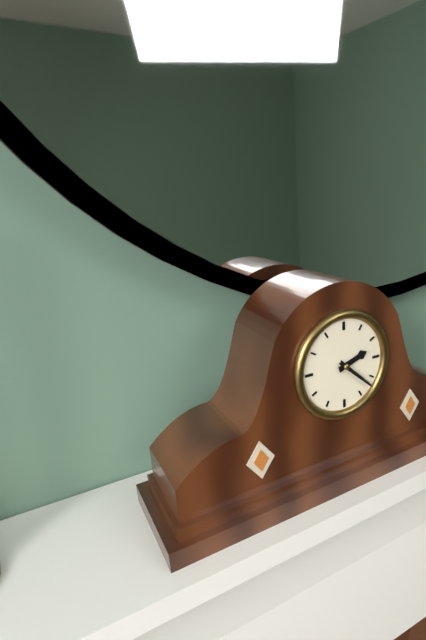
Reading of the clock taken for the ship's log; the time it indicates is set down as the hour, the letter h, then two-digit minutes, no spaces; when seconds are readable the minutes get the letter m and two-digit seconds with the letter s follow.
2h22
